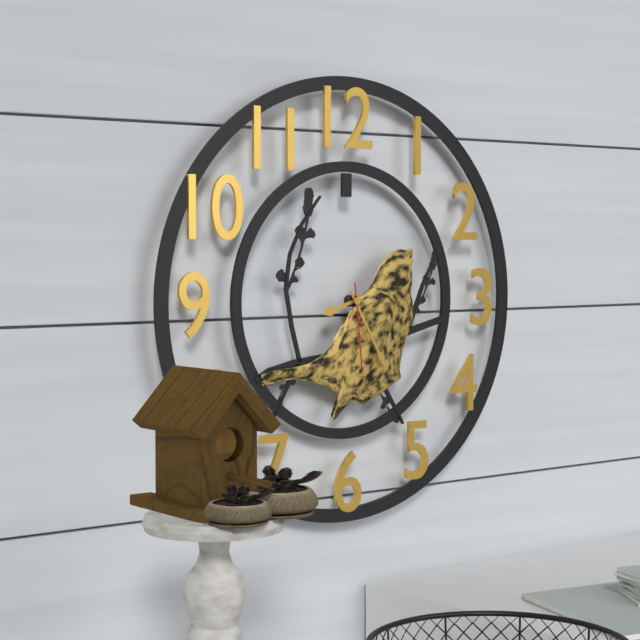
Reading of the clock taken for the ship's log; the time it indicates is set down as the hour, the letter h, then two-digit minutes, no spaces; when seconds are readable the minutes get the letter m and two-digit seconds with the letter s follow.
8h25m29s
